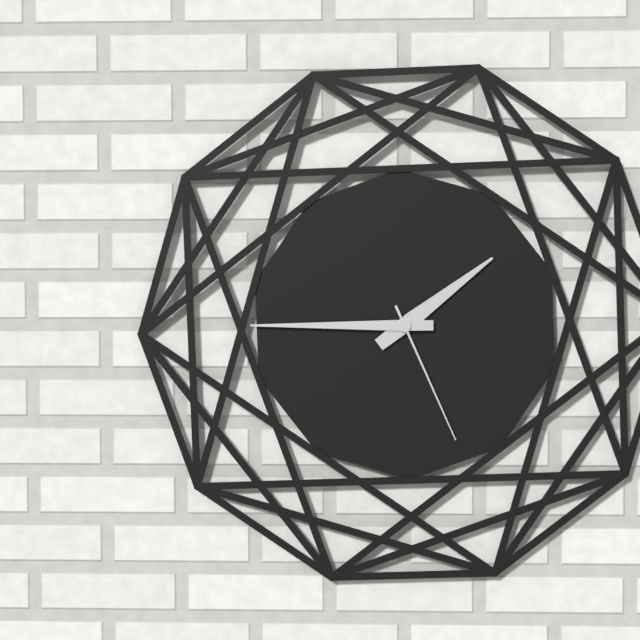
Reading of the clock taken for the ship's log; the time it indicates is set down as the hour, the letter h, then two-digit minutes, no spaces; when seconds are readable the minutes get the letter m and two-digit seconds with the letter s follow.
1h45m26s
